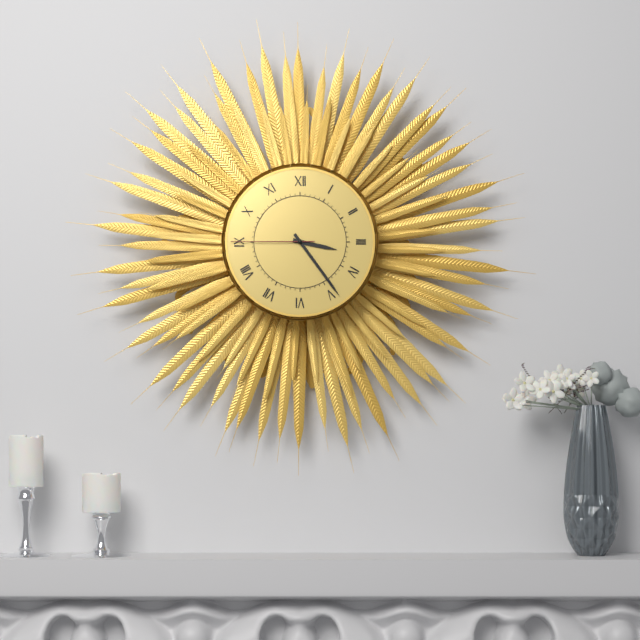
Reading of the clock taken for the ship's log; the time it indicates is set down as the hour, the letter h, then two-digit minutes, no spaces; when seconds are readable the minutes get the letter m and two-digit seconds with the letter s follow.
3h24m45s
